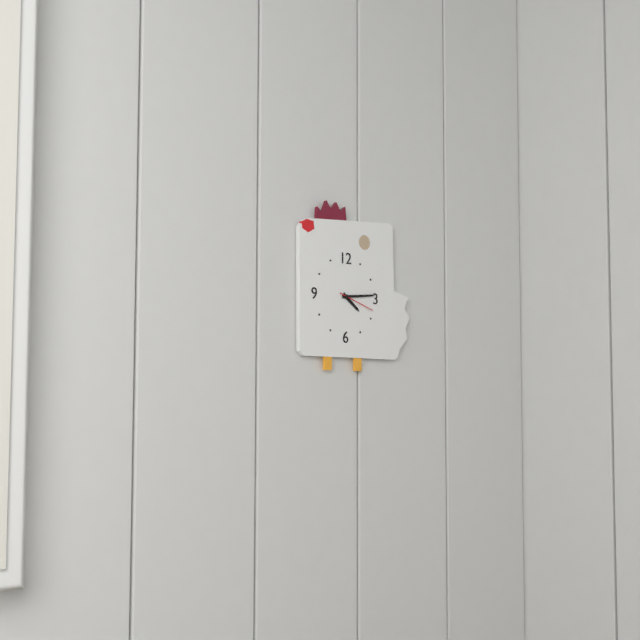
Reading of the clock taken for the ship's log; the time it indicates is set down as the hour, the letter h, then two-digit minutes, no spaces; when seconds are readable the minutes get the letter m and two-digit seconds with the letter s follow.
4h14
